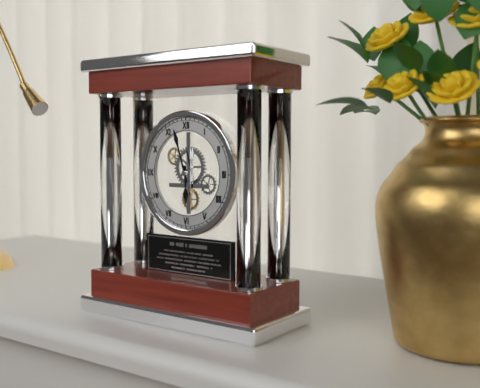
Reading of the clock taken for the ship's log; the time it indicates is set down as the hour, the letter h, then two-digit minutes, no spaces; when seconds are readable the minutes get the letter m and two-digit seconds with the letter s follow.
5h57
